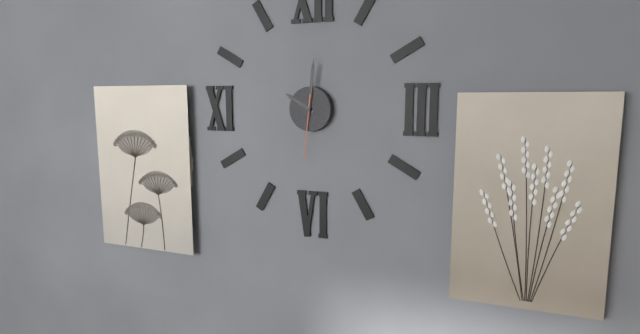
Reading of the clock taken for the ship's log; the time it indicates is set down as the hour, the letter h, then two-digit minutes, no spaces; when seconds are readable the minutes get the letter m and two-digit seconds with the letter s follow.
10h01m31s
